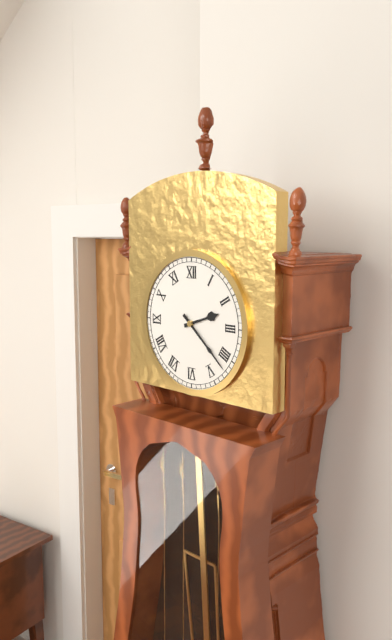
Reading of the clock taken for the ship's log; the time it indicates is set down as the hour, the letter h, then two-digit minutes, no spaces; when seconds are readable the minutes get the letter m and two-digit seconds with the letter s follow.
2h22
